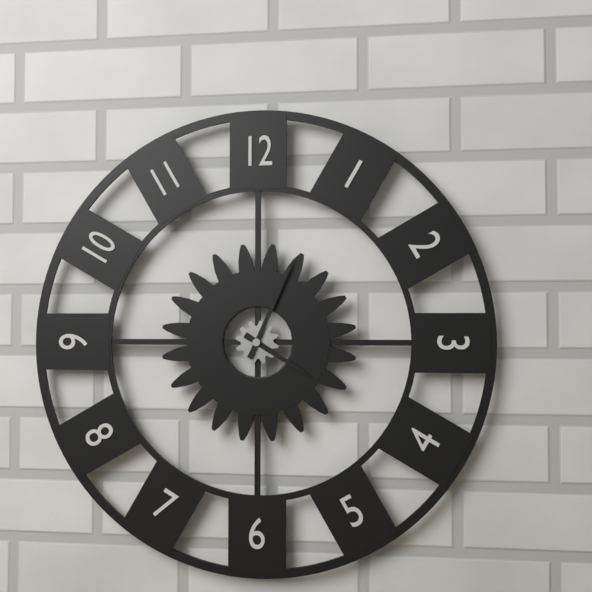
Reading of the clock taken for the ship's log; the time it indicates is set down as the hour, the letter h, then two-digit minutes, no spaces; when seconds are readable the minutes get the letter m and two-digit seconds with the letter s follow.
4h04
